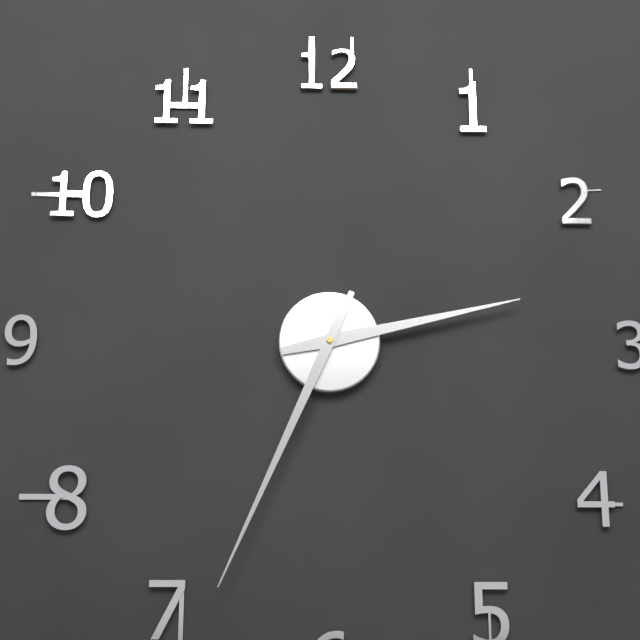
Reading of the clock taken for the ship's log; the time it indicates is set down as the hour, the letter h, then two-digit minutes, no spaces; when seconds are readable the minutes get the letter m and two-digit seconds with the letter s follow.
2h34
